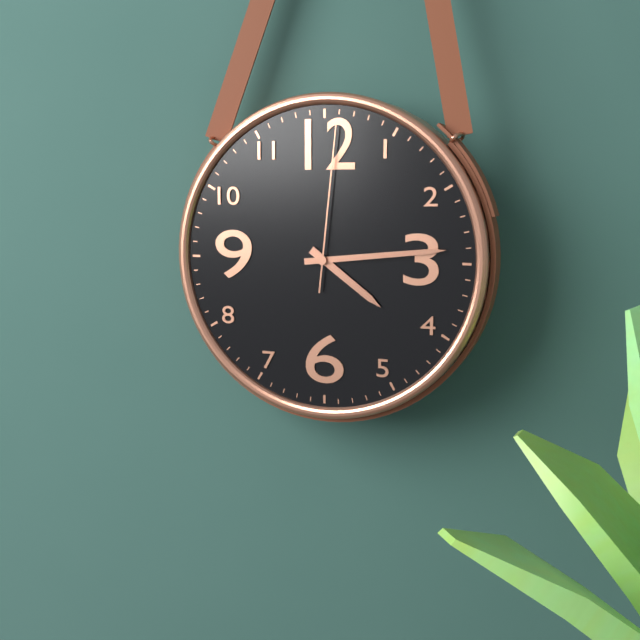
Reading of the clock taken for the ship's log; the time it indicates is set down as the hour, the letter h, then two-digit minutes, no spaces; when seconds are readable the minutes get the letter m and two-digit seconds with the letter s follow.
4h14m01s
